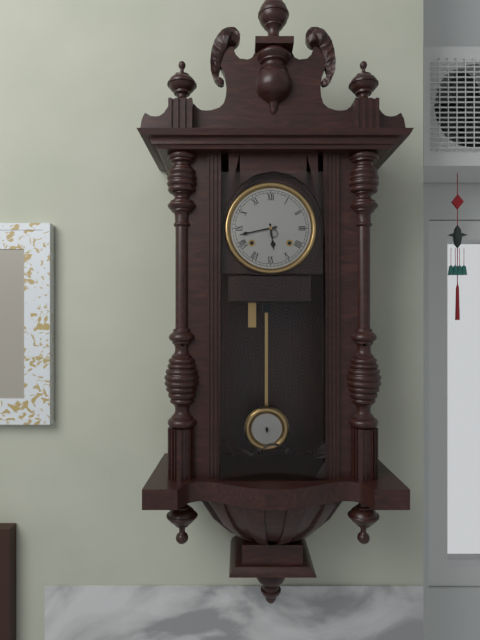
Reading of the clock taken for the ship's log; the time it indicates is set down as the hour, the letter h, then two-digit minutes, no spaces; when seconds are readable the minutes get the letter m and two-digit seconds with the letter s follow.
5h43
